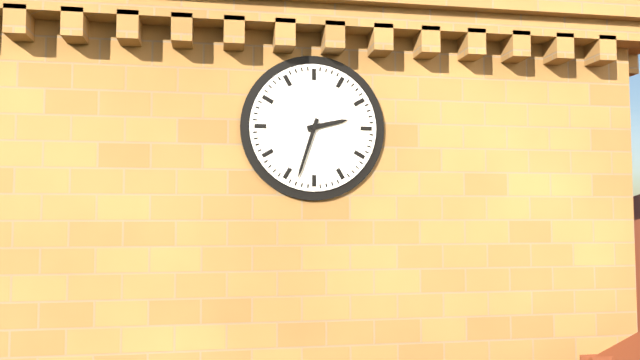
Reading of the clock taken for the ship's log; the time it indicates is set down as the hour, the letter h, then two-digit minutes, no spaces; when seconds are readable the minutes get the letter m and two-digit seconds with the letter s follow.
2h33
